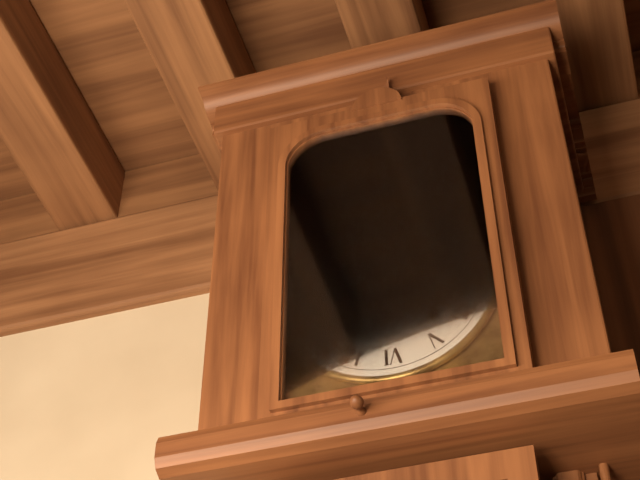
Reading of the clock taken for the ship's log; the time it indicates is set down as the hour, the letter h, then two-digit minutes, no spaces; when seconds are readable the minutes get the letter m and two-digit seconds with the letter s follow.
3h56
